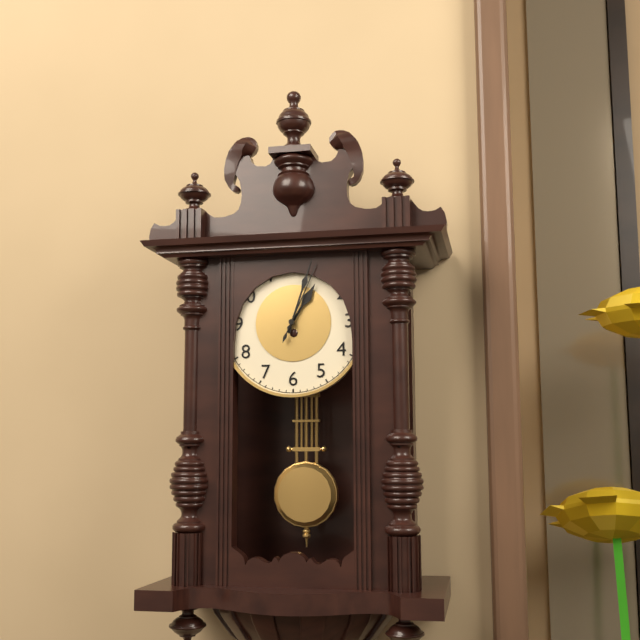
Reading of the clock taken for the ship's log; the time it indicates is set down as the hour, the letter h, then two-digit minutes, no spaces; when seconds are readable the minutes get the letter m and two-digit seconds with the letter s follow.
1h03m04s
